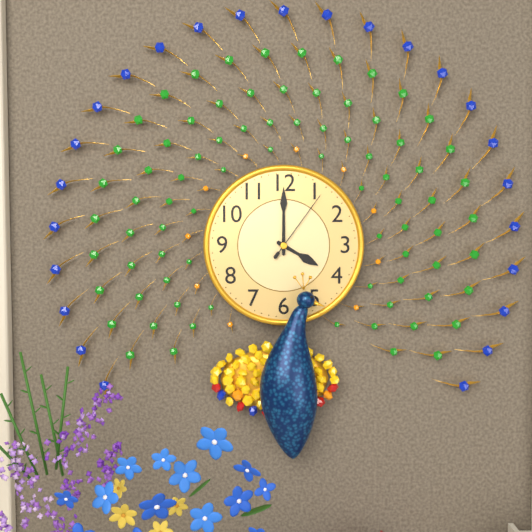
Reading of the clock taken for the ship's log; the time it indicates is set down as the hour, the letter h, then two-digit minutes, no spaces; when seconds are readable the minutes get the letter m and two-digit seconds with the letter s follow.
4h00m06s
